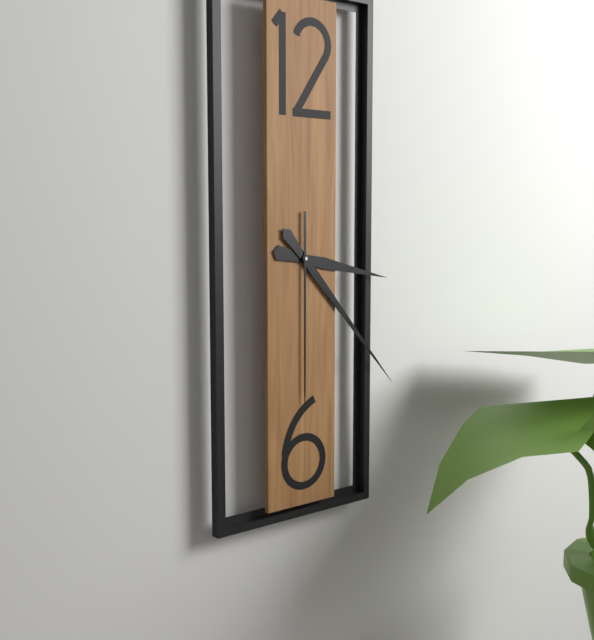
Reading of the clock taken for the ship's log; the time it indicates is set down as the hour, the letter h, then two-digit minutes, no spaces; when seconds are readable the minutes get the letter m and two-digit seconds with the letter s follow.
3h23m30s
